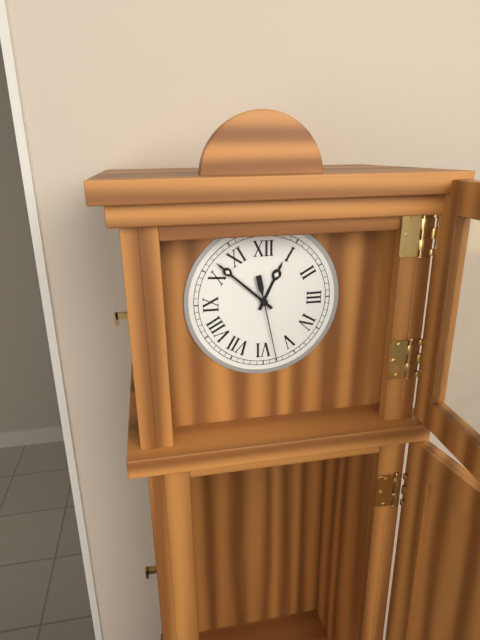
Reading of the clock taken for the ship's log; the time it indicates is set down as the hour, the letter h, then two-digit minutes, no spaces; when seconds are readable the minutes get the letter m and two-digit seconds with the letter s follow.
12h52m28s
